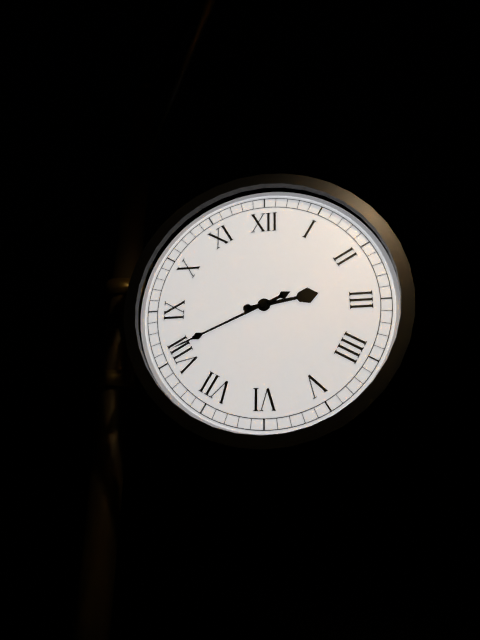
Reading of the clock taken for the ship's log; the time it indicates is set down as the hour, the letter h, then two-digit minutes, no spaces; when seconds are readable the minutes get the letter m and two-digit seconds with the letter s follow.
2h41
